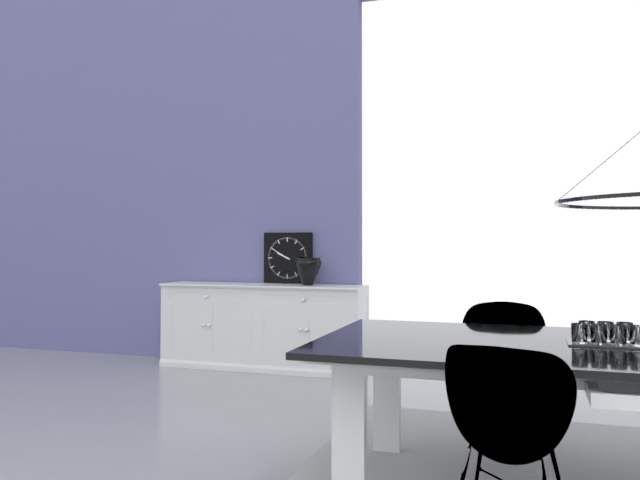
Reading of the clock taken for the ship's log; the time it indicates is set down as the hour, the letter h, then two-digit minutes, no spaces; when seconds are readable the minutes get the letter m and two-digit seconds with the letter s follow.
9h50
